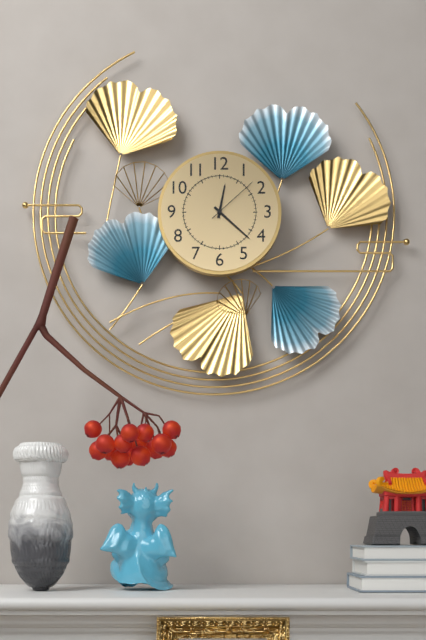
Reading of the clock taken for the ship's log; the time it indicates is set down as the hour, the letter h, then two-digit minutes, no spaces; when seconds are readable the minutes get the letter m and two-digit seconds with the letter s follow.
12h22m08s
